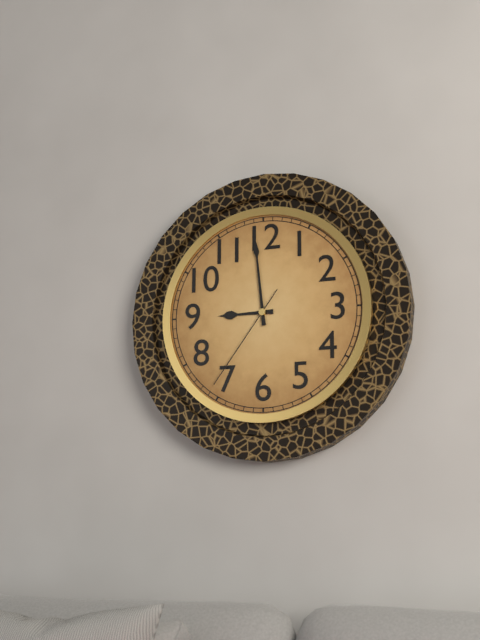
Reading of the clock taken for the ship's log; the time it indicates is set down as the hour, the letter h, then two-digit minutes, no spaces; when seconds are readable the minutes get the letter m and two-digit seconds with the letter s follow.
8h59m36s
